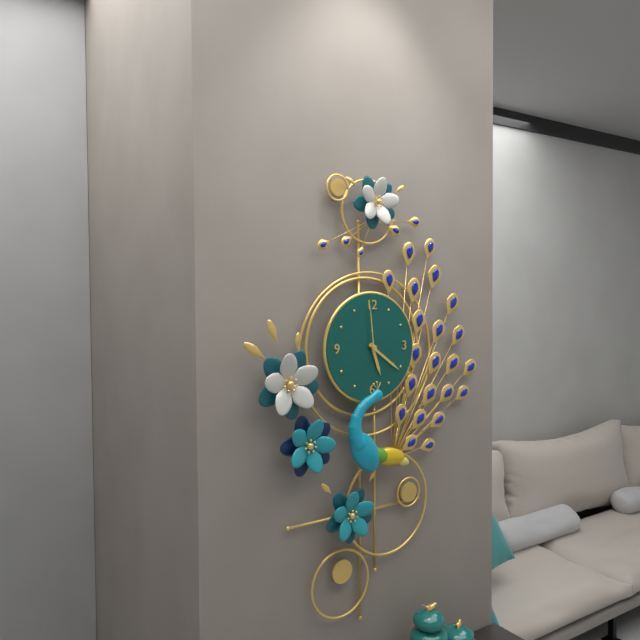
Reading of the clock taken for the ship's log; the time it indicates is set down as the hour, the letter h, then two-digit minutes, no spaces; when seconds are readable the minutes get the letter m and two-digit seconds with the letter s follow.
5h21m59s
